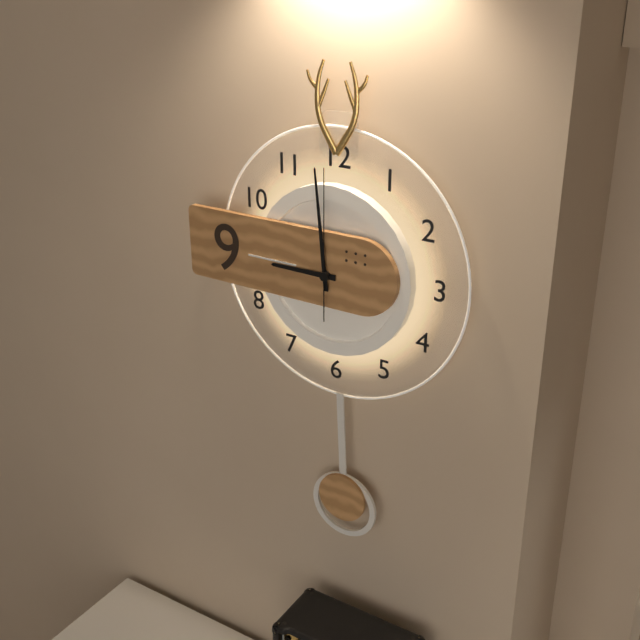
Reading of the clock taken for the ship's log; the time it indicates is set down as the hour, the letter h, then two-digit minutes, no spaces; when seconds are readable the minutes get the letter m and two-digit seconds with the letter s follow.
8h59m00s
